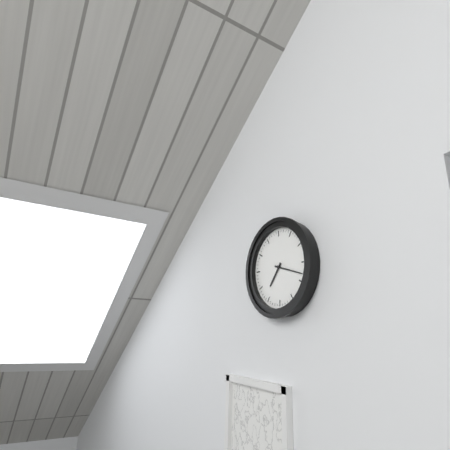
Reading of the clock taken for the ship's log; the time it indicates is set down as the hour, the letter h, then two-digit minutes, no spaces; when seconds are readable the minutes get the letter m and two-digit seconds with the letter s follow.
7h18
